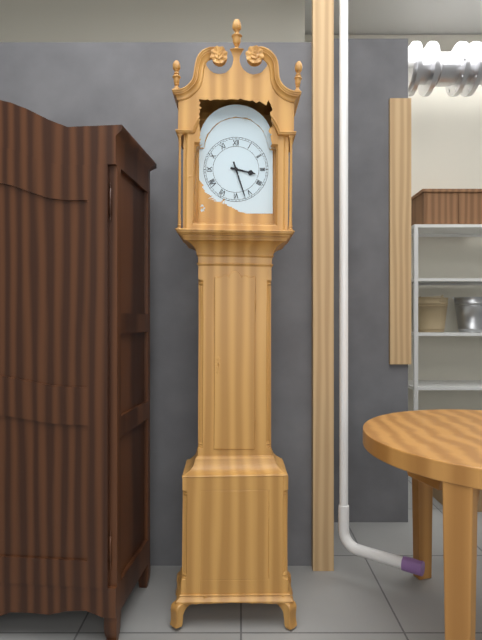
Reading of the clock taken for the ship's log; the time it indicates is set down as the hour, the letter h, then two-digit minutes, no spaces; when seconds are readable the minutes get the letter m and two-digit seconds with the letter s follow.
3h27
